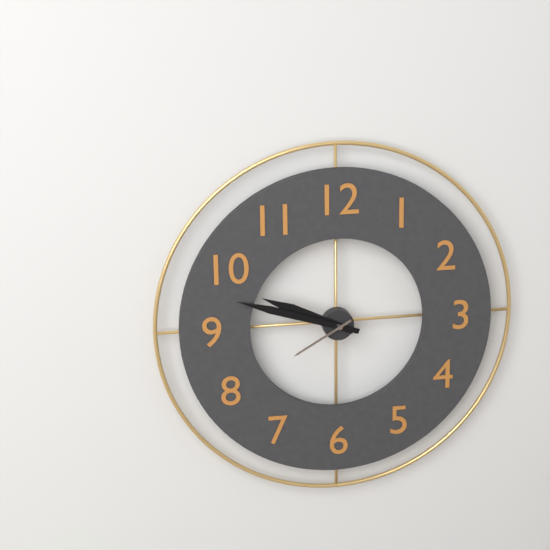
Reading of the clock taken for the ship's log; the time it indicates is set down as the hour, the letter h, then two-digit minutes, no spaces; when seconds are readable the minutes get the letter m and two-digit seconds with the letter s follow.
9h48m40s
